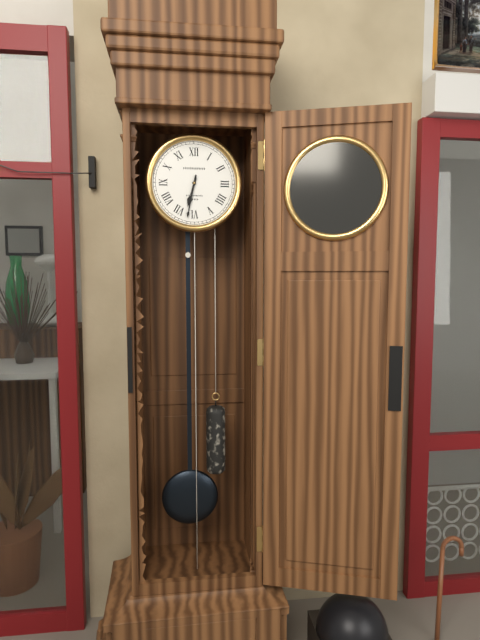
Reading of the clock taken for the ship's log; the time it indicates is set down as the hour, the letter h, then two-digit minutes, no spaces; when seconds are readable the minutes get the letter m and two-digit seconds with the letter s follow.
6h32
